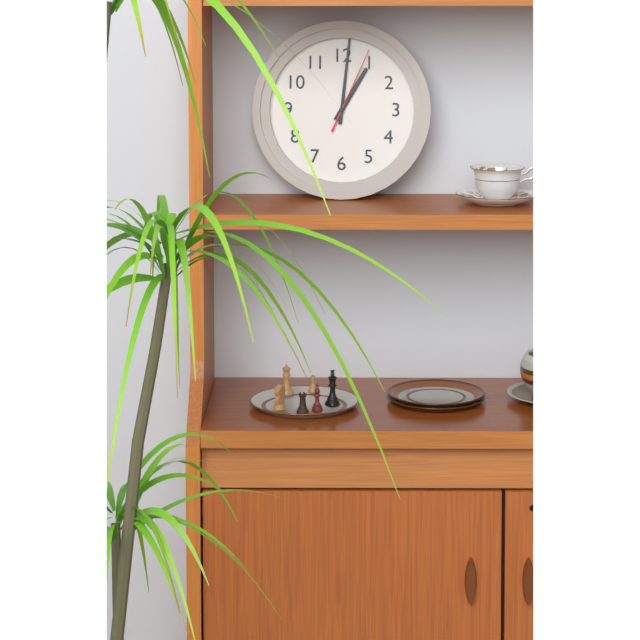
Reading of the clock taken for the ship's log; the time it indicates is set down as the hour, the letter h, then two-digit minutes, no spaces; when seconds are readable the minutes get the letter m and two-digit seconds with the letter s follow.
1h01m04s
